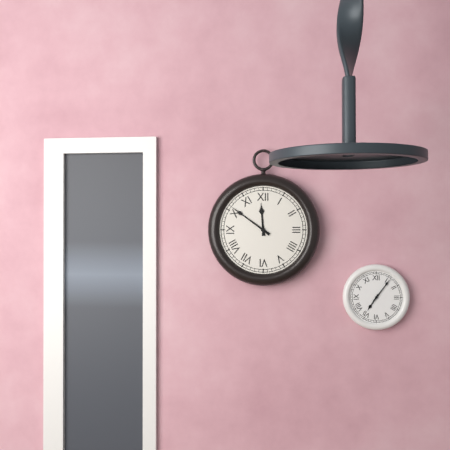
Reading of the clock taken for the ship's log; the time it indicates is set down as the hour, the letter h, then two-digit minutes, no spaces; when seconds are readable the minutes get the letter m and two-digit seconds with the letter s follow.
11h51
